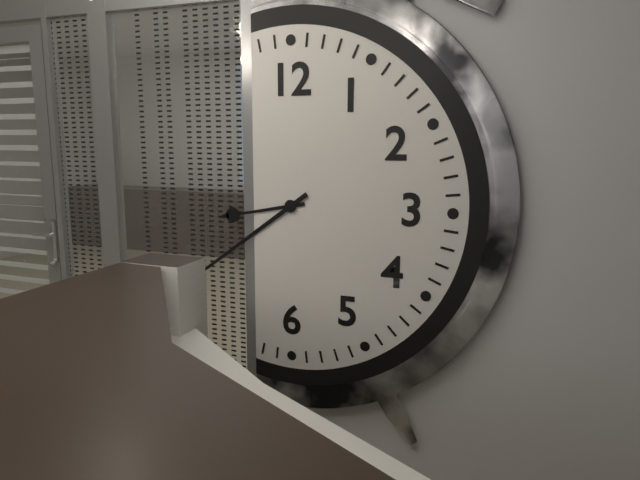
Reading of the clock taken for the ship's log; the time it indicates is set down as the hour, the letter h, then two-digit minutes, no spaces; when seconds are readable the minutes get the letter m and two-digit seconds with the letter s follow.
8h39
